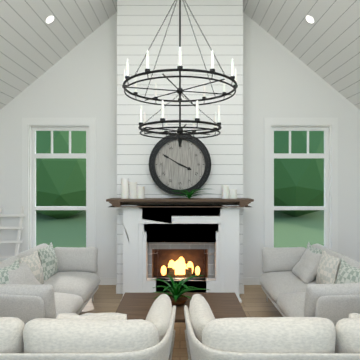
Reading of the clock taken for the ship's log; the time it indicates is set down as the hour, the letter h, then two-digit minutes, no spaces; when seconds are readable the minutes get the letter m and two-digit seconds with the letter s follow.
3h50
